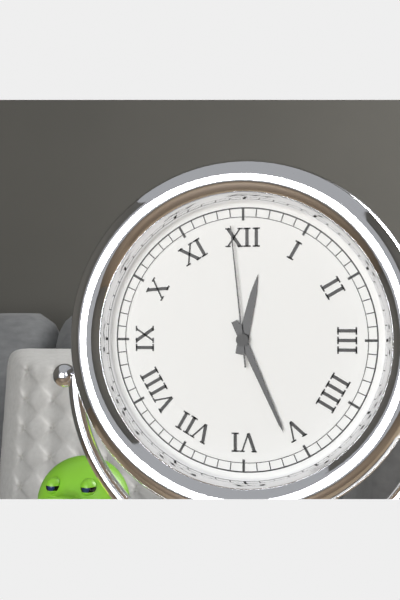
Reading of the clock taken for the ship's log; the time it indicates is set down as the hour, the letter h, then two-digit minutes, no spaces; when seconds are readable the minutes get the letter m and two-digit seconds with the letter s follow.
12h26m59s
